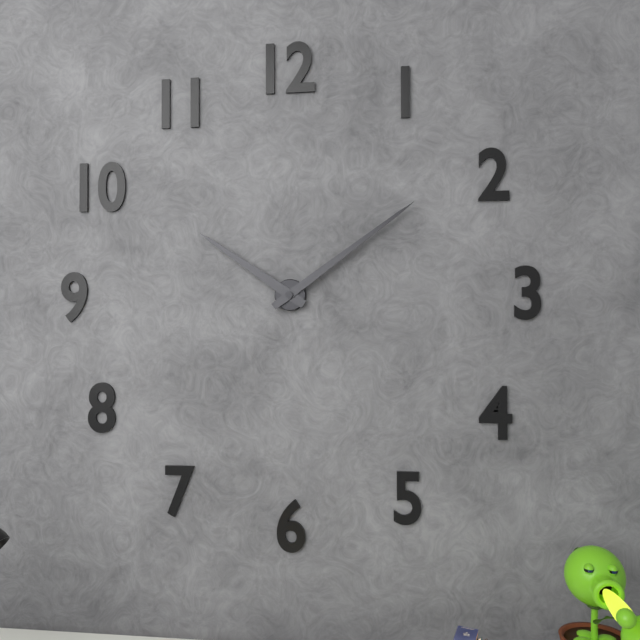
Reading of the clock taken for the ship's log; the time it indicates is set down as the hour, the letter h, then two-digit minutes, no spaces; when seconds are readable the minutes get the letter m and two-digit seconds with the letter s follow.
10h09
